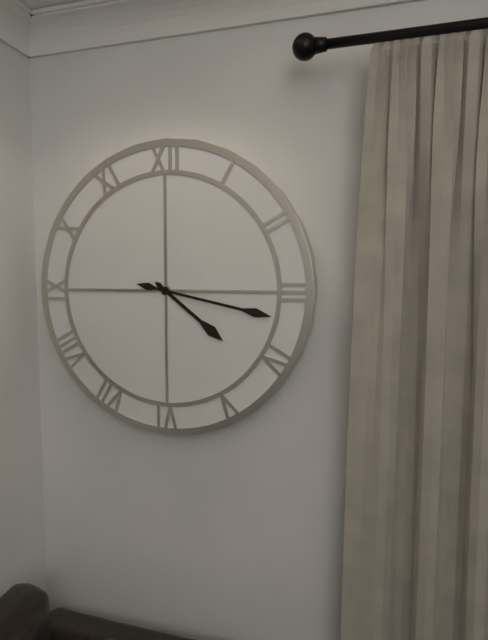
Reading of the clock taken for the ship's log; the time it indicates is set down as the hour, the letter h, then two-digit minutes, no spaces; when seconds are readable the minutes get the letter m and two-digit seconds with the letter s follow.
4h17
